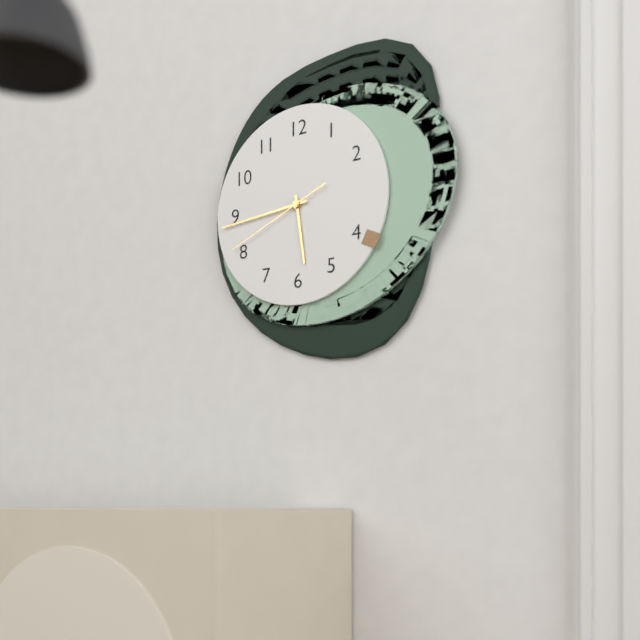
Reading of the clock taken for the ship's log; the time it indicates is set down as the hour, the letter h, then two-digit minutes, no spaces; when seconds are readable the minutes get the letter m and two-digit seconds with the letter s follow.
5h44m41s
